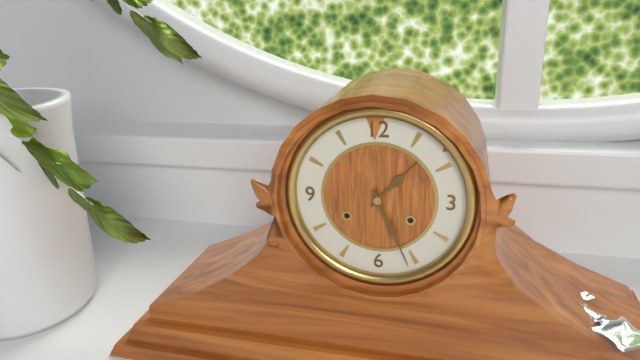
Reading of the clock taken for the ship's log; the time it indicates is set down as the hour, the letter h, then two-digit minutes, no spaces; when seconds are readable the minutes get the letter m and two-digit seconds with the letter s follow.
1h26
